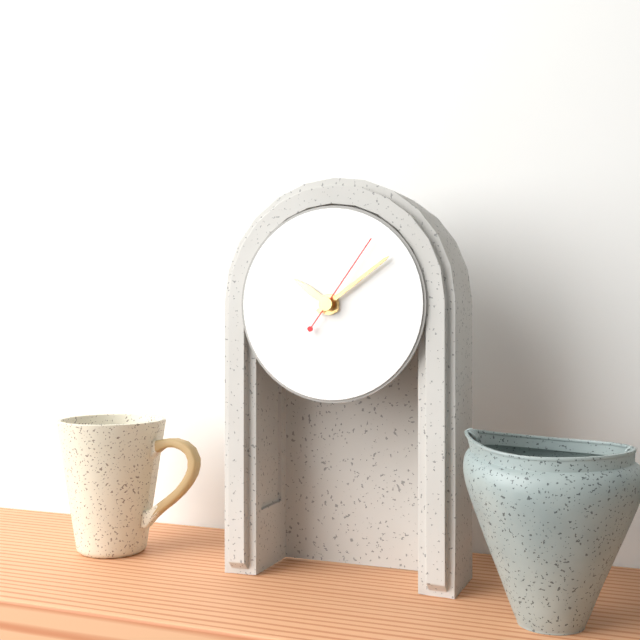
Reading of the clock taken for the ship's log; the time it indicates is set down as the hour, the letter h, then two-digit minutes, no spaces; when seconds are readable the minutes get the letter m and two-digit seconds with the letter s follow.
10h09m06s
